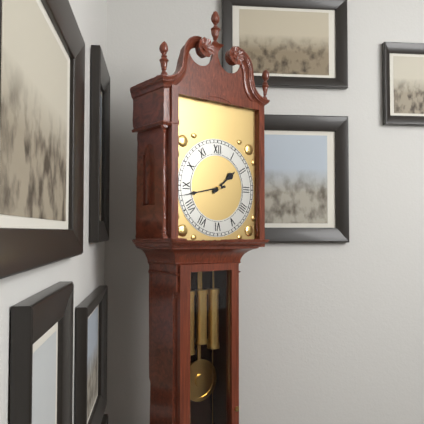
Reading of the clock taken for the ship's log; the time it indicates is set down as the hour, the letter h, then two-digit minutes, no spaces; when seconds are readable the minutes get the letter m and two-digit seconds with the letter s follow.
1h43
